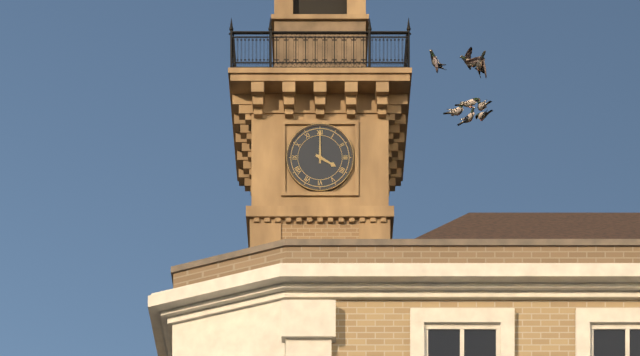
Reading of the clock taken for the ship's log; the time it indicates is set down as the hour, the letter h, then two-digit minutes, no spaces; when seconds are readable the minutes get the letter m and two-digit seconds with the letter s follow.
4h00
